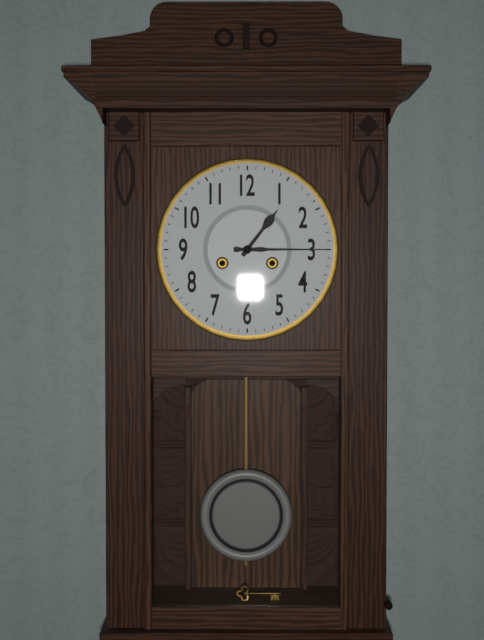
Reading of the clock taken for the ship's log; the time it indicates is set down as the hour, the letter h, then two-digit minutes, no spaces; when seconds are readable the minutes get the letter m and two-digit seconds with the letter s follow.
1h15
